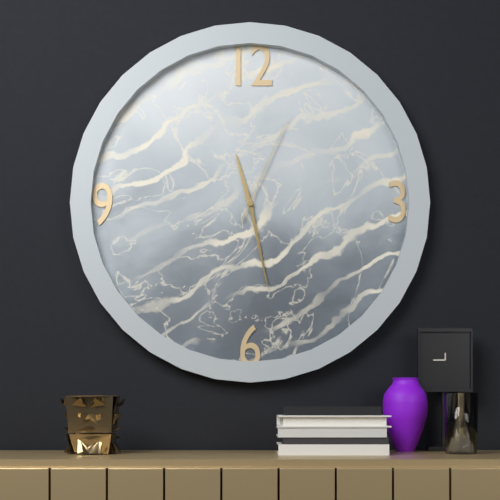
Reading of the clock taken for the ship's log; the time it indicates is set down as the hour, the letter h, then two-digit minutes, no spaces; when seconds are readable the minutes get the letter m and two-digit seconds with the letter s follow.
11h28m04s
